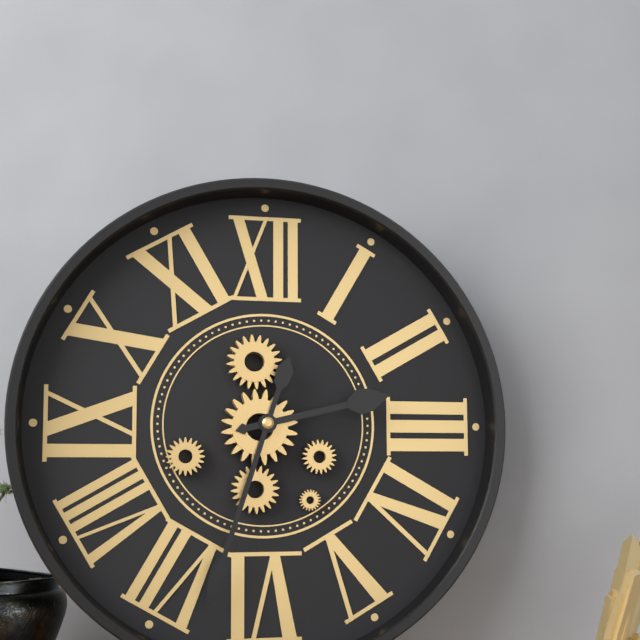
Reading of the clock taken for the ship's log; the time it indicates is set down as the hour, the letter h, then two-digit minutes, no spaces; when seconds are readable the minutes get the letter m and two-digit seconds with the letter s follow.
2h33
